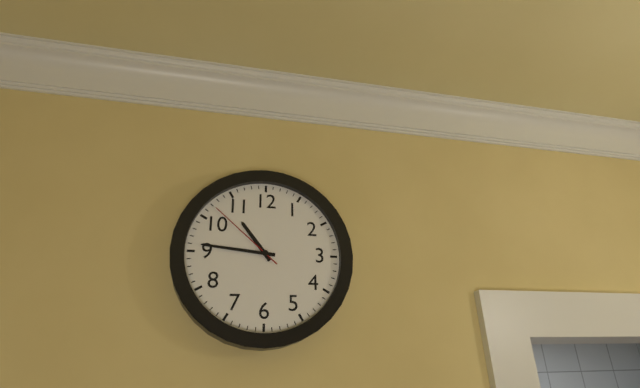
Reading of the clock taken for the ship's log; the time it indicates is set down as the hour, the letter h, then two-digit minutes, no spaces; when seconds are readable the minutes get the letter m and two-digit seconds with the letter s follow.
10h46m52s
